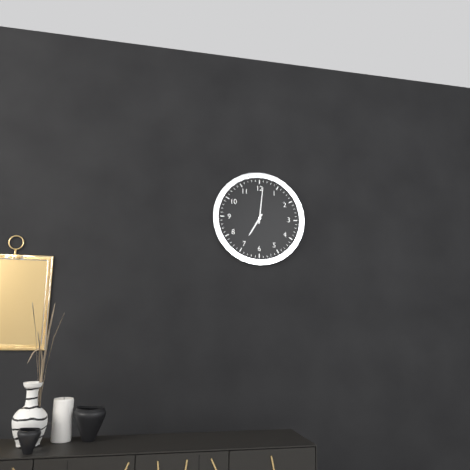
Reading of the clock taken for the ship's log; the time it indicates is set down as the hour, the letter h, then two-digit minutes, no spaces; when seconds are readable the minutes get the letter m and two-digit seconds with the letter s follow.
7h01
